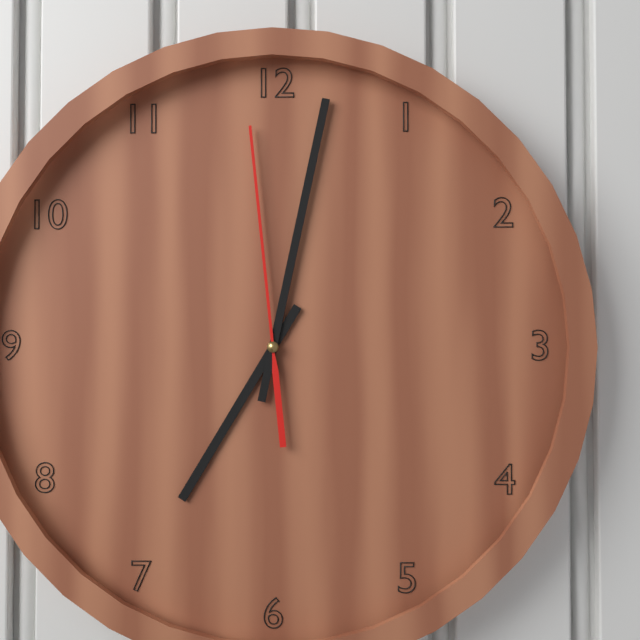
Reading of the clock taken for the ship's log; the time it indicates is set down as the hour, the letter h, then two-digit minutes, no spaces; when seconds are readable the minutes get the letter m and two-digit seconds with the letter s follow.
7h02m59s
